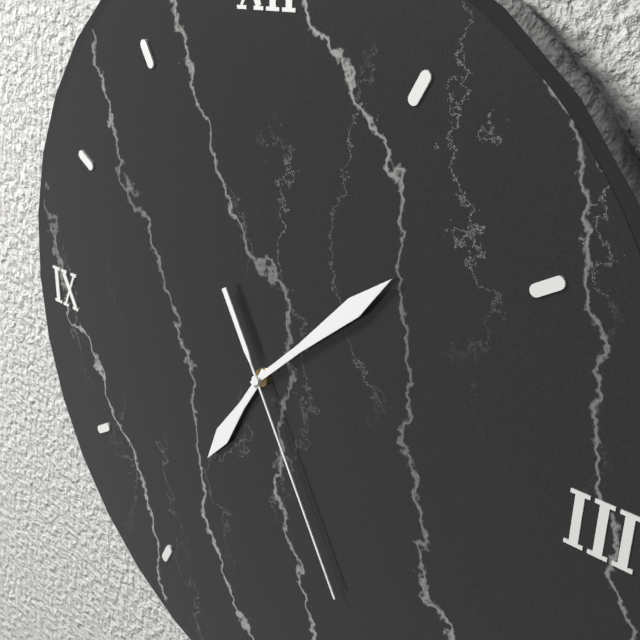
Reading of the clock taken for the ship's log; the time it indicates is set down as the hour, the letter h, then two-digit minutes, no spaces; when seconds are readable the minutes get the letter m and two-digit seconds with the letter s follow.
7h08m25s
